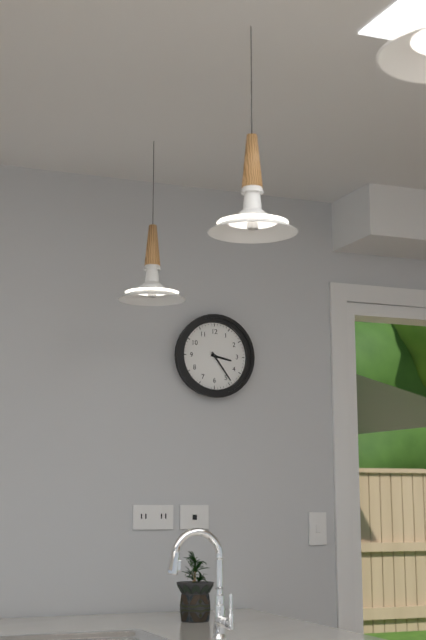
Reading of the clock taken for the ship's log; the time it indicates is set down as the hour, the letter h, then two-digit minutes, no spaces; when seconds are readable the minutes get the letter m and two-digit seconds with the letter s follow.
3h24
